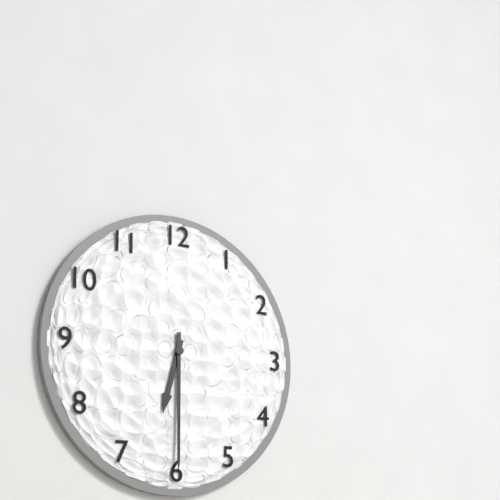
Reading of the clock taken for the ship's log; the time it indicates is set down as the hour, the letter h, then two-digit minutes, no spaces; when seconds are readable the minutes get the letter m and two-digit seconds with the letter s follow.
6h30
